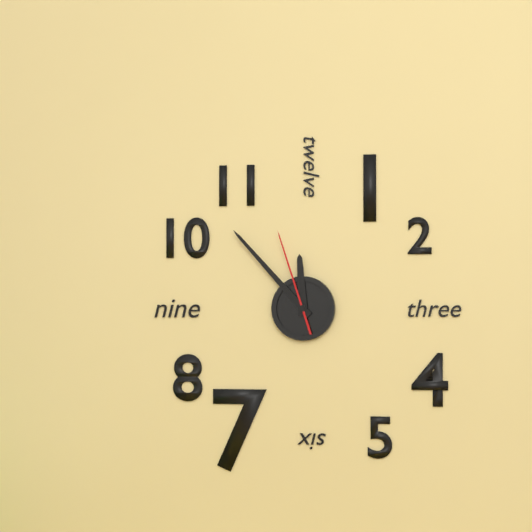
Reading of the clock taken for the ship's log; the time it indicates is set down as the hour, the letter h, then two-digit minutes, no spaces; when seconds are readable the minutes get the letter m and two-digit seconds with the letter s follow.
11h53m57s
